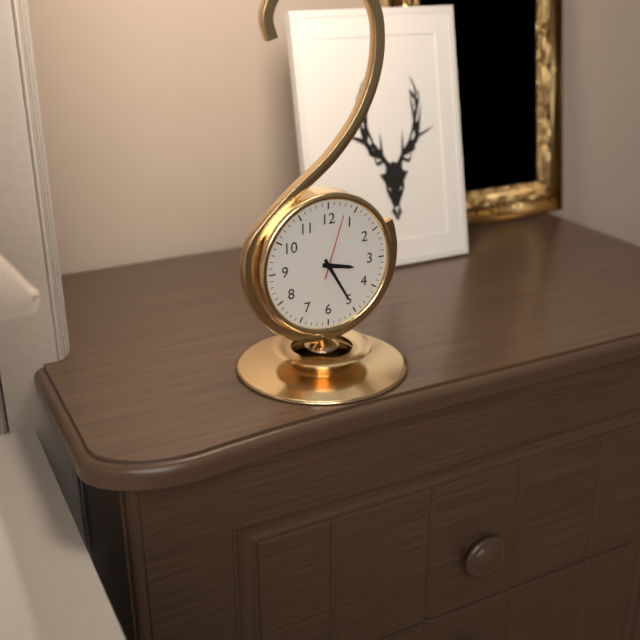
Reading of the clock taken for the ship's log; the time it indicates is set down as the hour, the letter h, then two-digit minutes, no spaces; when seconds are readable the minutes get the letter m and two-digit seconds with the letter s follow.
3h25m03s
